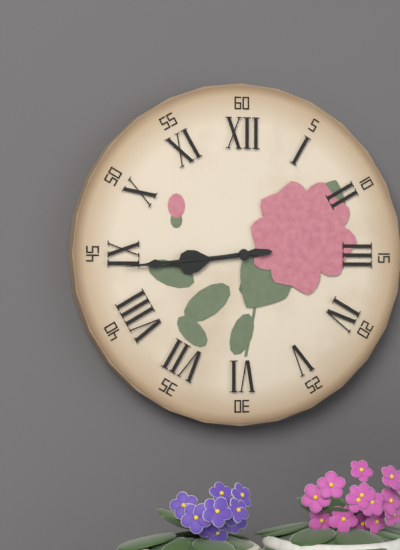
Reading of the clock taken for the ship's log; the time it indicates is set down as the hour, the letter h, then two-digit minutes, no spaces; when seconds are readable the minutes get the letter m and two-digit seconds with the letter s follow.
8h44
